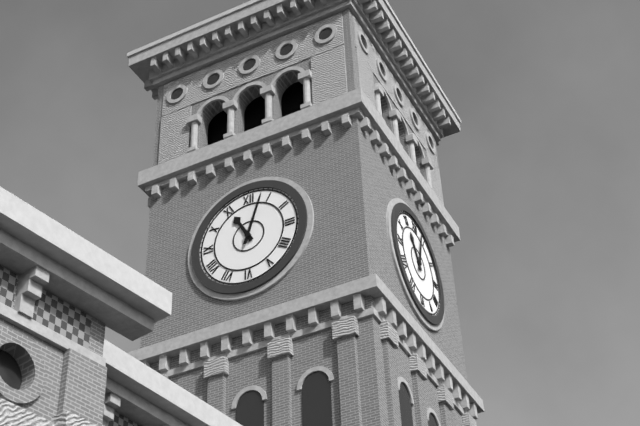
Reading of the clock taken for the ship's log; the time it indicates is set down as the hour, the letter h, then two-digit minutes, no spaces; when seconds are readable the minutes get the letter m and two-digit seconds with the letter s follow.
11h03
